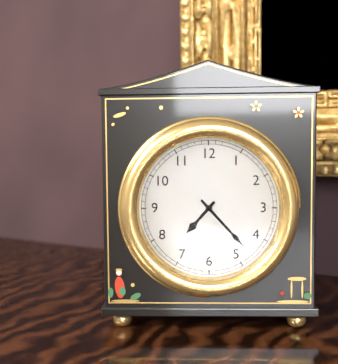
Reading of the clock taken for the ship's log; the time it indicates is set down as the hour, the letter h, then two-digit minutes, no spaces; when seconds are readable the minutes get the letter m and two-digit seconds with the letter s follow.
7h23
